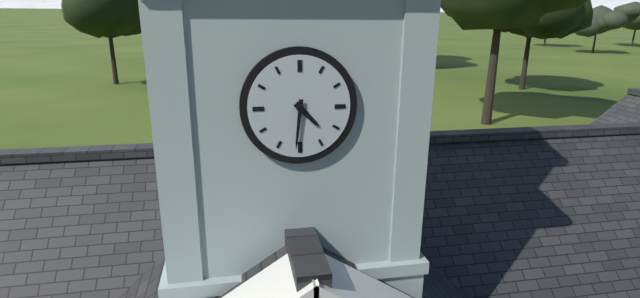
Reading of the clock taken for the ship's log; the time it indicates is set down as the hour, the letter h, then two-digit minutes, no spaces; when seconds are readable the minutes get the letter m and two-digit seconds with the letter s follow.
4h31
